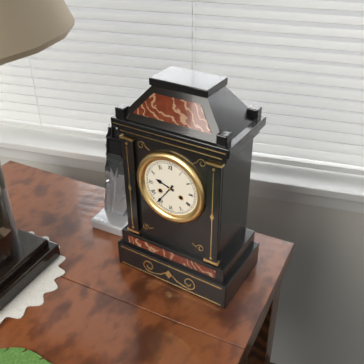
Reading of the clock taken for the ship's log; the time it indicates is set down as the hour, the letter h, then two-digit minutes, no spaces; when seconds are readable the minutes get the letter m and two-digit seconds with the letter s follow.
9h36
